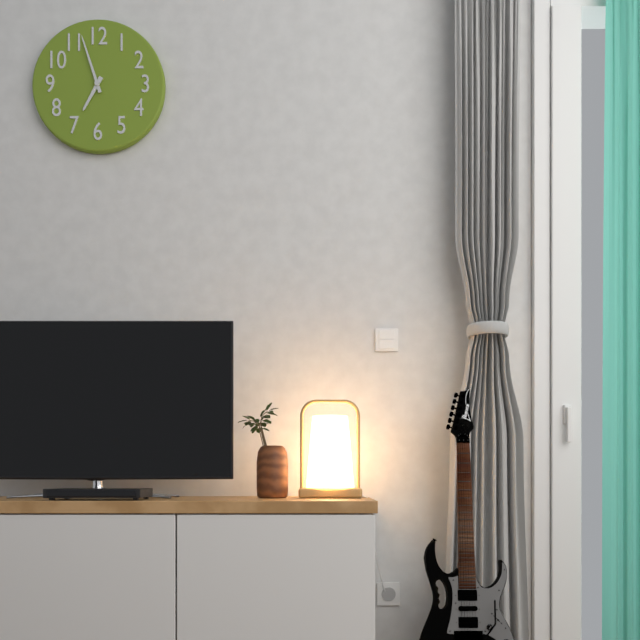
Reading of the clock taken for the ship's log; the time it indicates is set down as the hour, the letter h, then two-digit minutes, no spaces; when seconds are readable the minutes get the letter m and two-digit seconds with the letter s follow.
6h57
